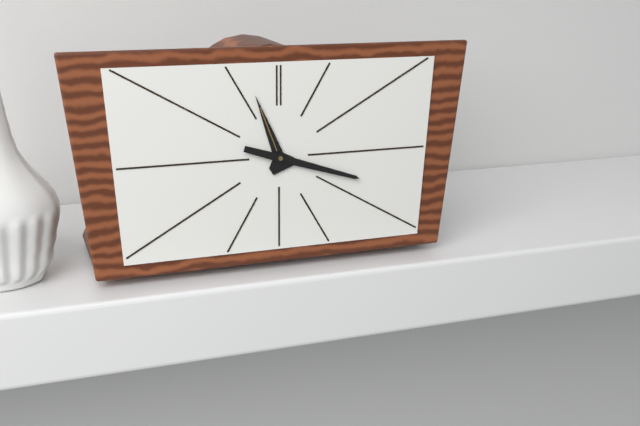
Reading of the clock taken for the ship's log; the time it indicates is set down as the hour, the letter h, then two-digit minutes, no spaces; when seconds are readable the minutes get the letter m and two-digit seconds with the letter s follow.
11h18
